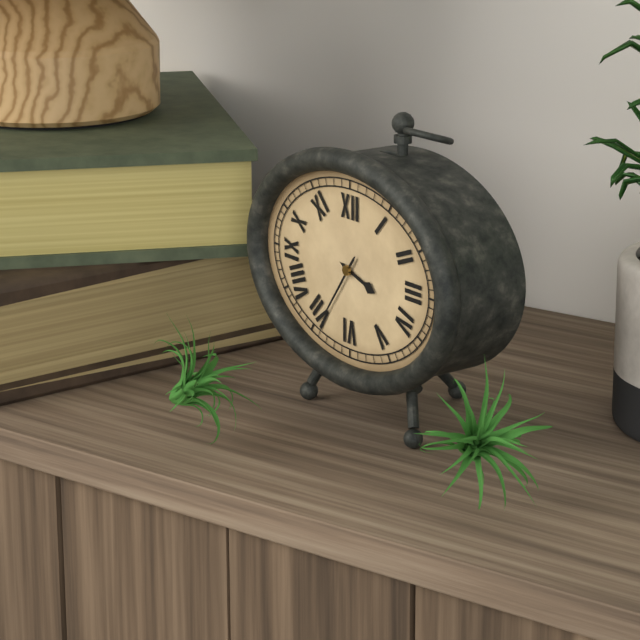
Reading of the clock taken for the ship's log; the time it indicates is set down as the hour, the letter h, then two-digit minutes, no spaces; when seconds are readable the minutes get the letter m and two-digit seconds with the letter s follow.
3h36
